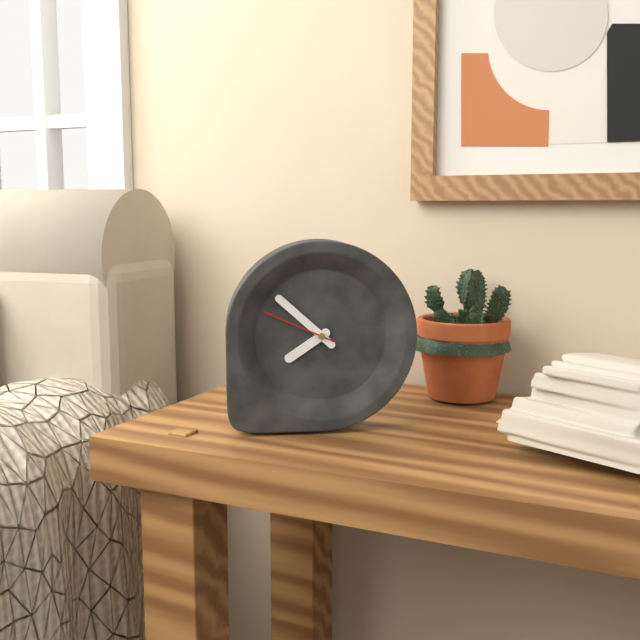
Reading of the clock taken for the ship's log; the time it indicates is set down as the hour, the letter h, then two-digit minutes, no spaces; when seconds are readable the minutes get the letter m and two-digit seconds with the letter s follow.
7h52m49s
